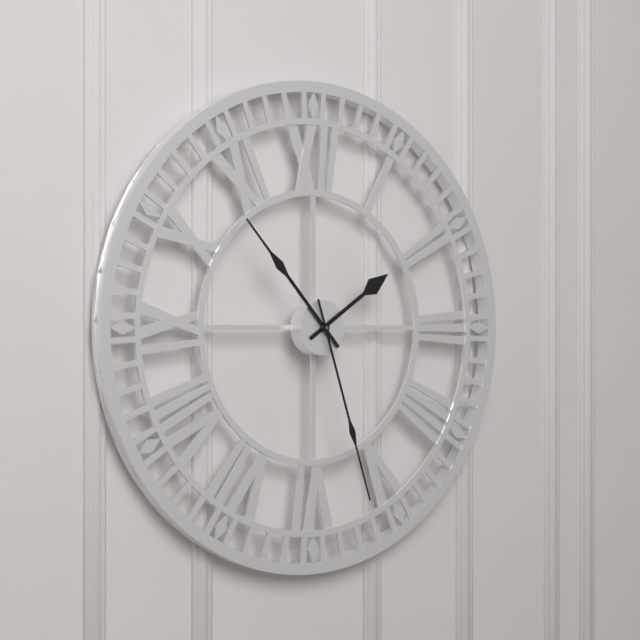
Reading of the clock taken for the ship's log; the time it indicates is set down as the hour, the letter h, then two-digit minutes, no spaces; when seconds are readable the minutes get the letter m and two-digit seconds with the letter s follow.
1h53m27s
